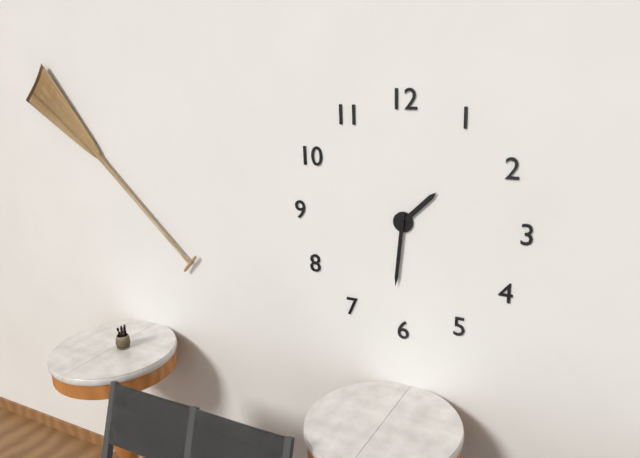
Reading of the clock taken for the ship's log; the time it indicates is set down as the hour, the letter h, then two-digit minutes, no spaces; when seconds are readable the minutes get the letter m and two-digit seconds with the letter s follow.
1h31
